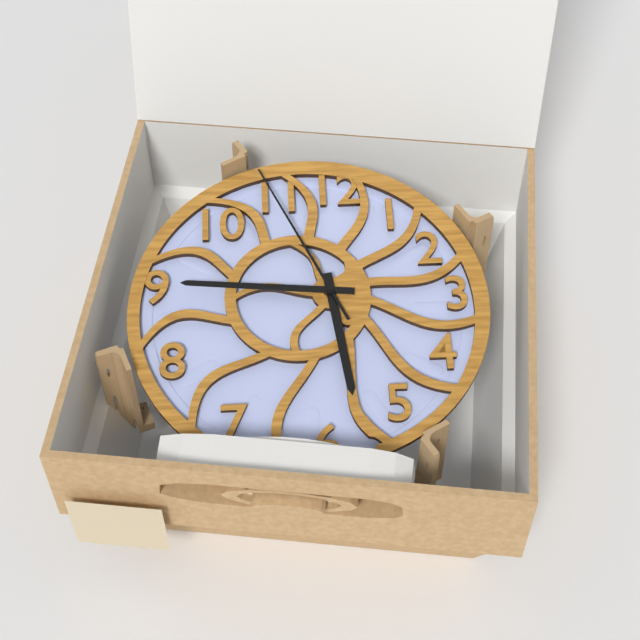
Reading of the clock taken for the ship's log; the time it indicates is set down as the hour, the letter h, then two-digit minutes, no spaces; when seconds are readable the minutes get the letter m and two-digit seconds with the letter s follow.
5h46m56s
